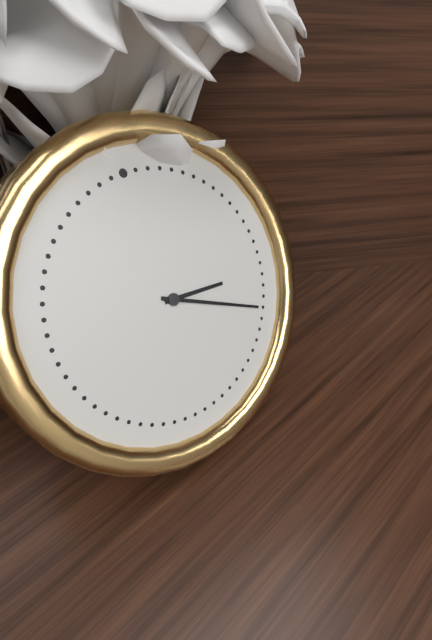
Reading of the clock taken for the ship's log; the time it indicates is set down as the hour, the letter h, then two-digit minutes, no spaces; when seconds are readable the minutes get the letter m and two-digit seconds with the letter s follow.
3h20
